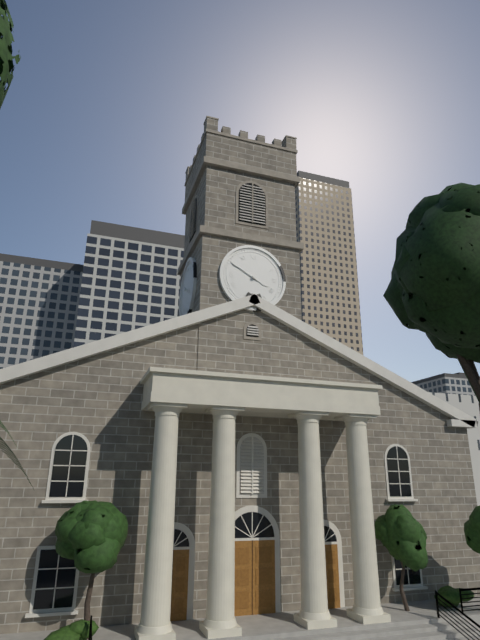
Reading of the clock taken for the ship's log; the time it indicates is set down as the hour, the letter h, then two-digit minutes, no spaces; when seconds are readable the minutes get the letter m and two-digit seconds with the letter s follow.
3h50
